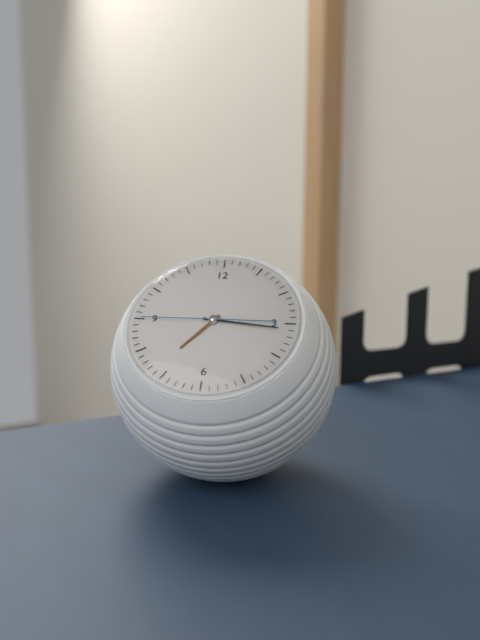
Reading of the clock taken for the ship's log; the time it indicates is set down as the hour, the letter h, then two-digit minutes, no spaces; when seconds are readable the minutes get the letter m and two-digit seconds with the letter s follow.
7h16m45s
